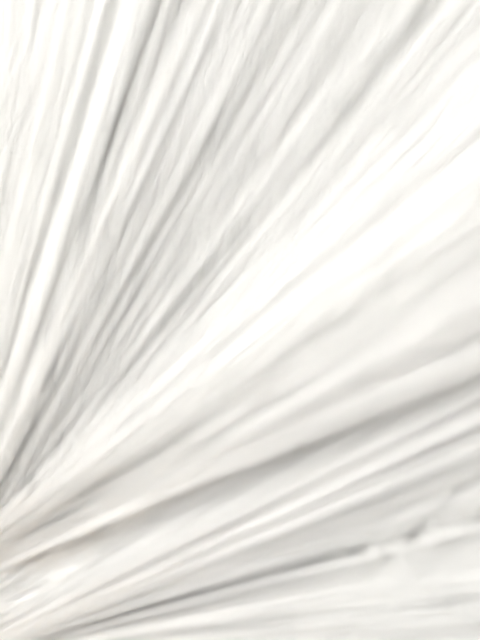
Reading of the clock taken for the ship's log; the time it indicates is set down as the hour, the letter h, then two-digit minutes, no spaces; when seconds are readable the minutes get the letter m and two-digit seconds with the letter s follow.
9h45
